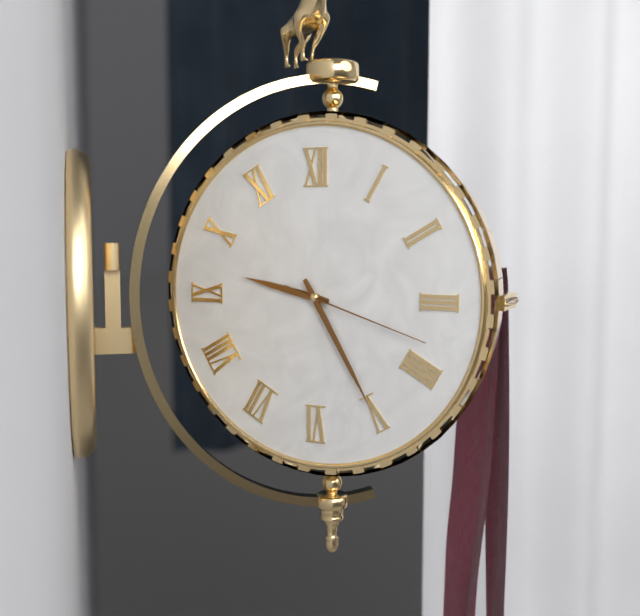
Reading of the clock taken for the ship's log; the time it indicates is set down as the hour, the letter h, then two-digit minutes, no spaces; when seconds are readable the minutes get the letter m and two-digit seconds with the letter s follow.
9h25m18s
